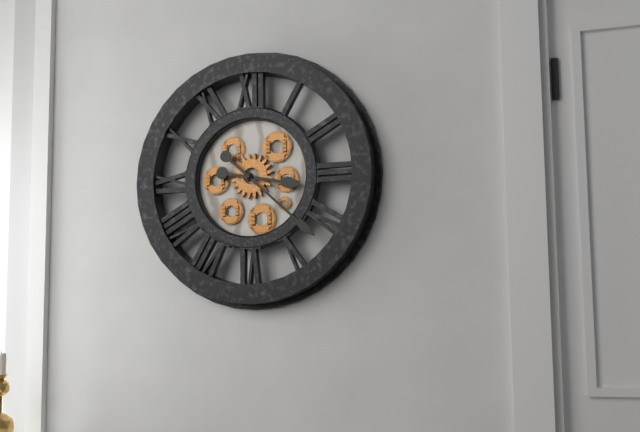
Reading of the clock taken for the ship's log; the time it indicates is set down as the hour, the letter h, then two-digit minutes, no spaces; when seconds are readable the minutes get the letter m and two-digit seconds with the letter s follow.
3h22
